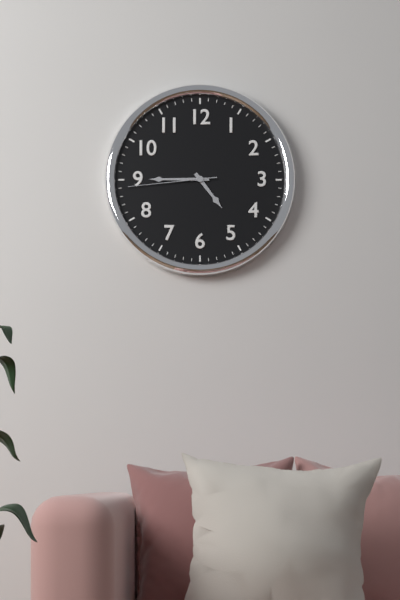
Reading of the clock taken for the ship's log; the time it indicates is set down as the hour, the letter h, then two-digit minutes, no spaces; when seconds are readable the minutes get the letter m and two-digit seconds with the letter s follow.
4h45m44s
